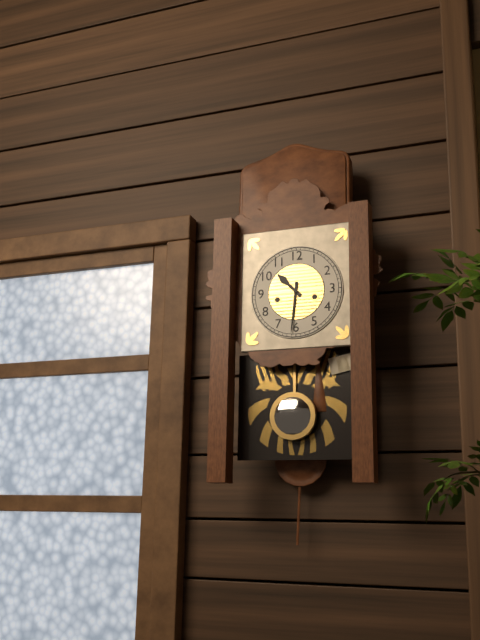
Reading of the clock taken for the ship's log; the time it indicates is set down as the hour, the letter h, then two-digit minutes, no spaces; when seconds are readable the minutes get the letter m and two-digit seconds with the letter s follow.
10h31
